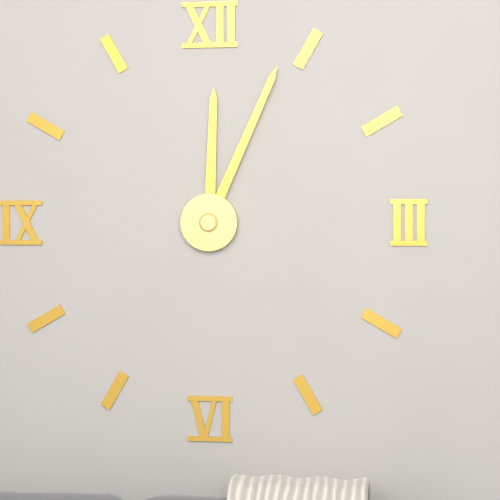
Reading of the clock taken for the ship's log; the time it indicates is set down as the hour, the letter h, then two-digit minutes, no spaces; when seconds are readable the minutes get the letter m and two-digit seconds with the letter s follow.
12h04
